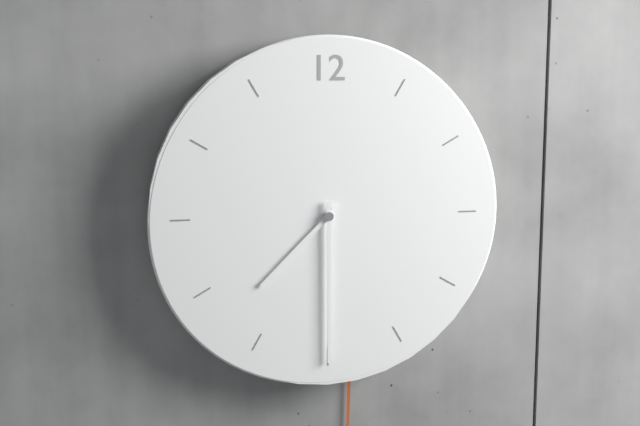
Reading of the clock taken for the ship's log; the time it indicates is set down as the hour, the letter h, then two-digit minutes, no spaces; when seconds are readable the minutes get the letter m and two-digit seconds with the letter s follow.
7h30
